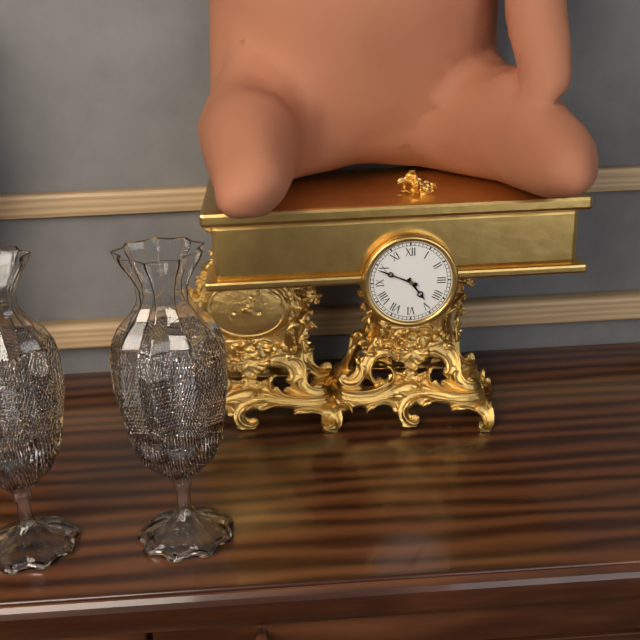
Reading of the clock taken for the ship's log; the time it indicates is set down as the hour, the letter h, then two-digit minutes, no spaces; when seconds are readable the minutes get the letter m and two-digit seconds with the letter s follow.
4h49
